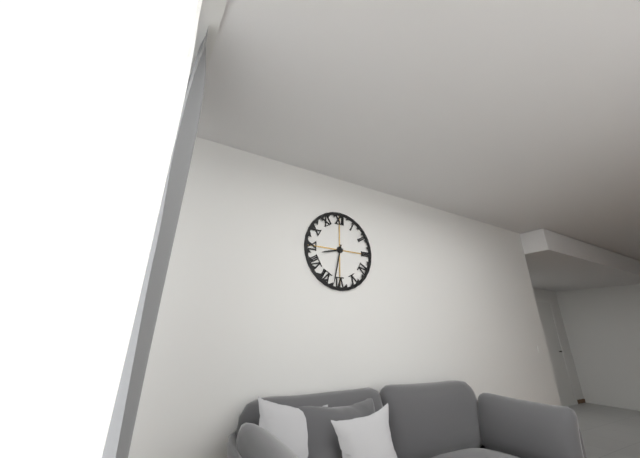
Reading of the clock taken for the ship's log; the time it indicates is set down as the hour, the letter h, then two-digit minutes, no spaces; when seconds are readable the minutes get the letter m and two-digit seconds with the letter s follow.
8h32
